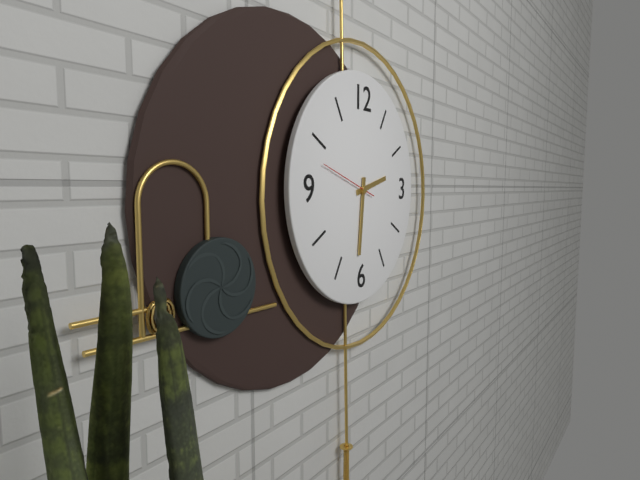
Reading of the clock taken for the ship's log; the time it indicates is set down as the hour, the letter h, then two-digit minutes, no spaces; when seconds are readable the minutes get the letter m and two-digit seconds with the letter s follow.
2h31m48s
